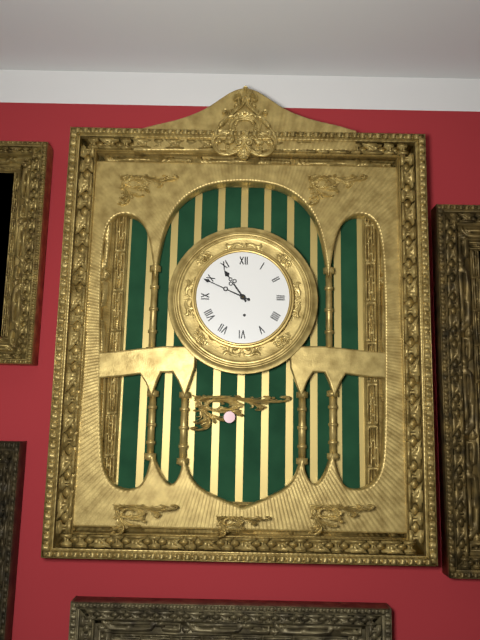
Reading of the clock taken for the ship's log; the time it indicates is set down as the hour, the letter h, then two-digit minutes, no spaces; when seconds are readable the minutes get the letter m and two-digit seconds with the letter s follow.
10h49
